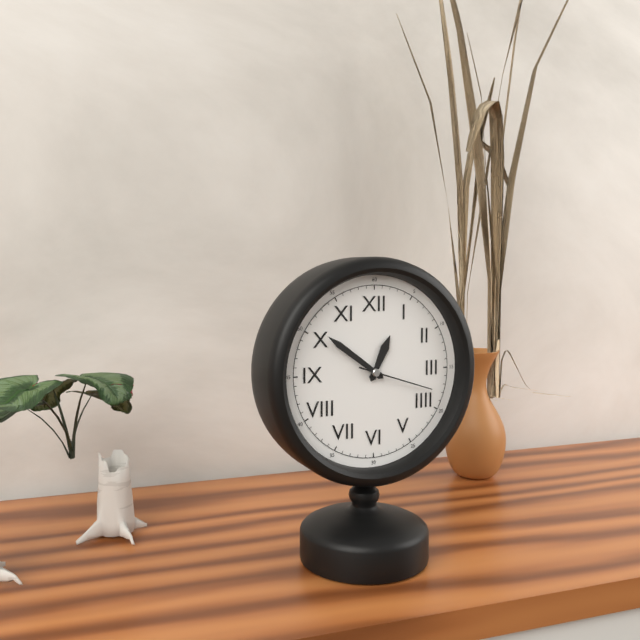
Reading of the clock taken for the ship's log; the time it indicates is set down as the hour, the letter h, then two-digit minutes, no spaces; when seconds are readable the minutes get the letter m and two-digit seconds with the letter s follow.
12h51m18s
